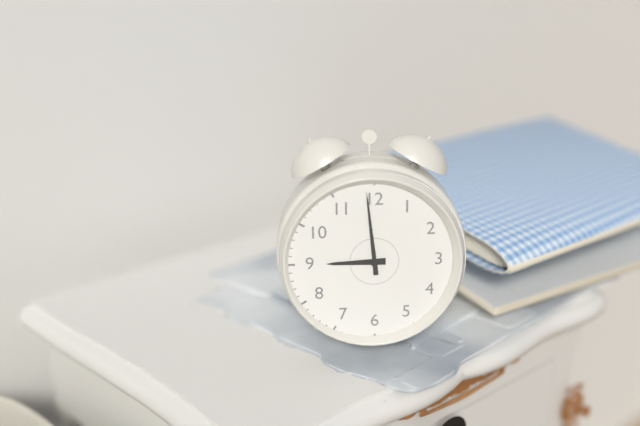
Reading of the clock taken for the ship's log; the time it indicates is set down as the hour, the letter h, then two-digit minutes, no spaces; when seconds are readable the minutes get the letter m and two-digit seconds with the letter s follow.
8h59
